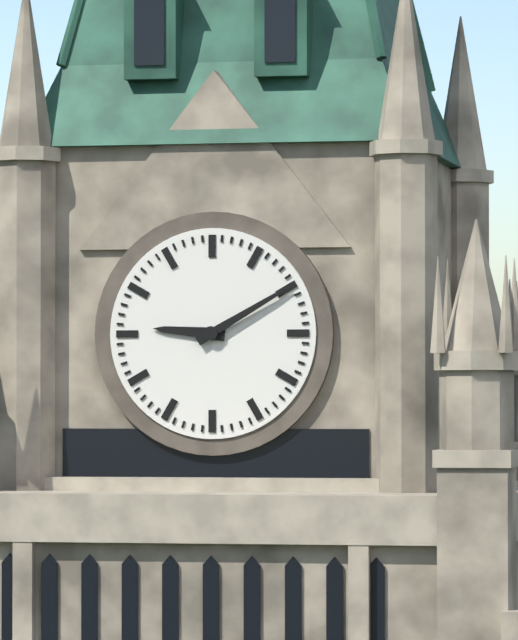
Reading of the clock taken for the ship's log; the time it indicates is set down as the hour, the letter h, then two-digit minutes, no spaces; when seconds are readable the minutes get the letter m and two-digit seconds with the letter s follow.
9h10
